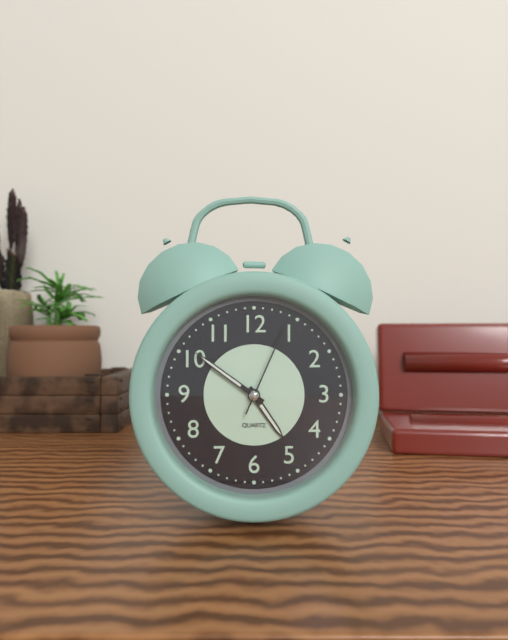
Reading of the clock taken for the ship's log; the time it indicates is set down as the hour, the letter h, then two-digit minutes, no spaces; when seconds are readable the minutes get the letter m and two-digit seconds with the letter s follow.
4h51m04s
